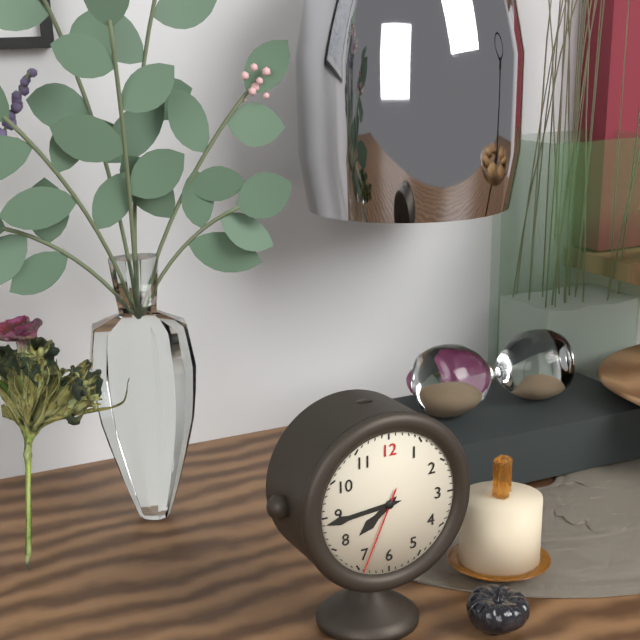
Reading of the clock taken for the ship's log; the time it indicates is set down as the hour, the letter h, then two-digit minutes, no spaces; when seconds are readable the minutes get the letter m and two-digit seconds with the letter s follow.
7h44m34s
